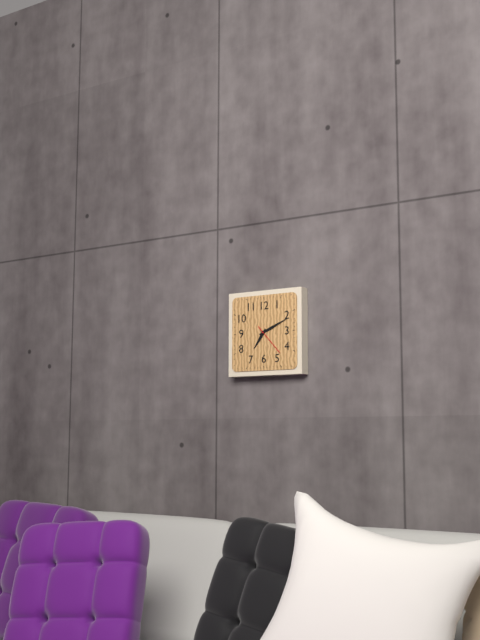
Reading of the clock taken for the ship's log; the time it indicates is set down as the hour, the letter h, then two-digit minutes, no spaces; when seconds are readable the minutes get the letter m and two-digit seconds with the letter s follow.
7h11
